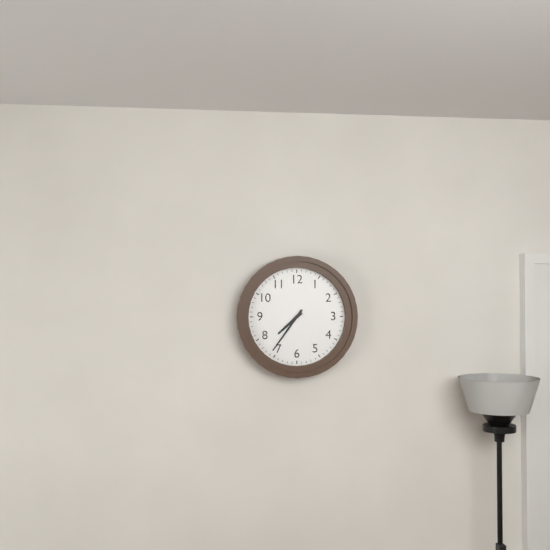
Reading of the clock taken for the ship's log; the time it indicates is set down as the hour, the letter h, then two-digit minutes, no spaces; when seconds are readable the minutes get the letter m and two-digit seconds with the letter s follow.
7h36
